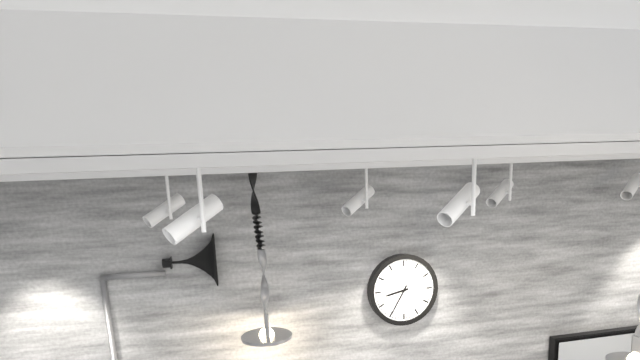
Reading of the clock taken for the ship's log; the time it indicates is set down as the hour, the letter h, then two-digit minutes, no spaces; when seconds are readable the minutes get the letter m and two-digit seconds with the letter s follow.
8h35
